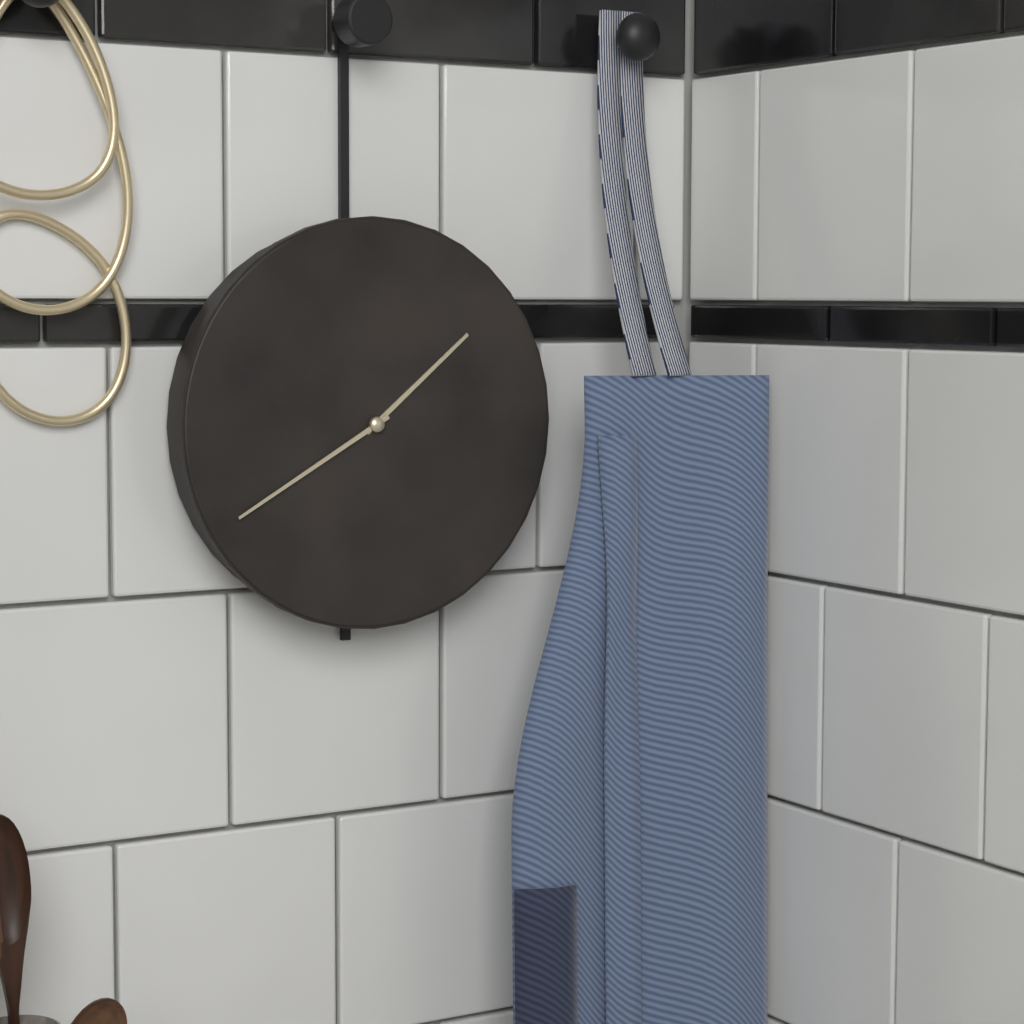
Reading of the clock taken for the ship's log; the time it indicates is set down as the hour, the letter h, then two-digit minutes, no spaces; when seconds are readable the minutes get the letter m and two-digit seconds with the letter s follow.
1h40
